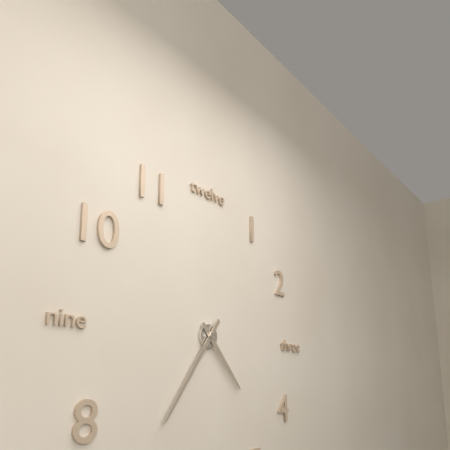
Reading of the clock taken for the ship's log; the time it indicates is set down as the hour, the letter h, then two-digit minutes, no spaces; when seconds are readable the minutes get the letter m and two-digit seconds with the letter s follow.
4h36
